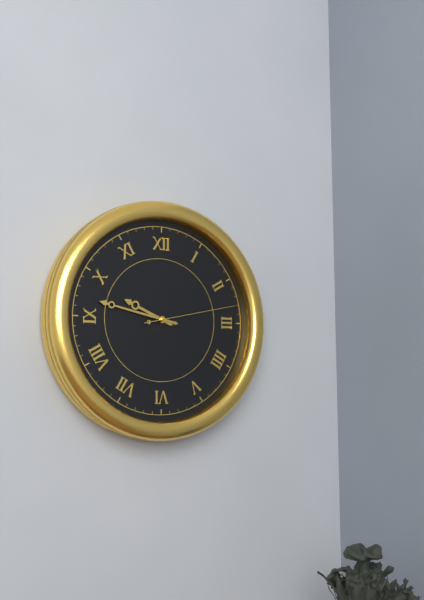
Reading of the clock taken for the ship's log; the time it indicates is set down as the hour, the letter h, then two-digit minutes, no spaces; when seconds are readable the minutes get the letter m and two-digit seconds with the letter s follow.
9h47m13s
